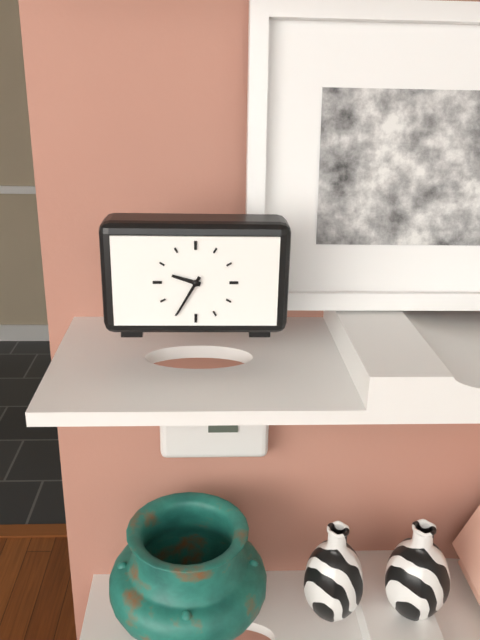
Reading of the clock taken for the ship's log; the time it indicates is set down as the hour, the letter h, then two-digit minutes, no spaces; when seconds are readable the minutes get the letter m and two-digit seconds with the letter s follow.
9h35
